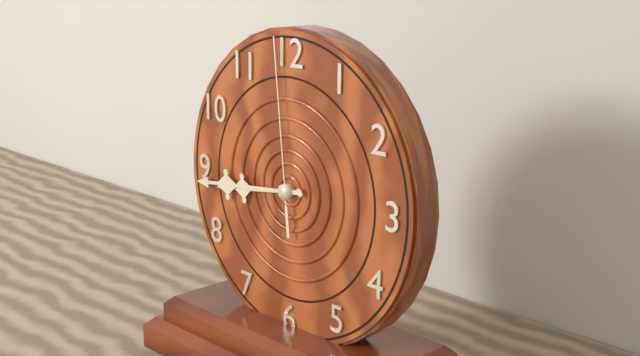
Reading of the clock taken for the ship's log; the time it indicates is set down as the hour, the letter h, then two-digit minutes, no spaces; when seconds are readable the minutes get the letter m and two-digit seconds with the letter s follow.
8h44m59s
